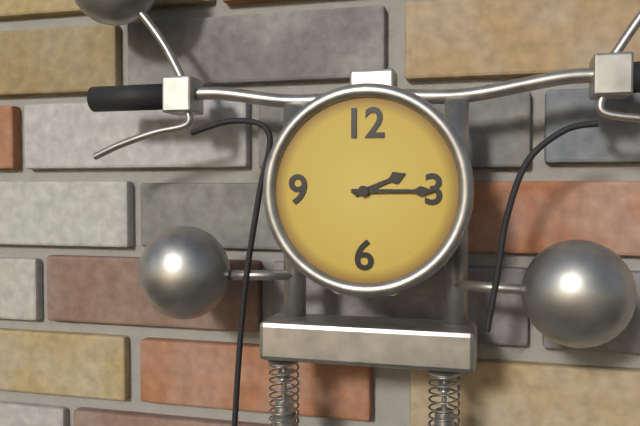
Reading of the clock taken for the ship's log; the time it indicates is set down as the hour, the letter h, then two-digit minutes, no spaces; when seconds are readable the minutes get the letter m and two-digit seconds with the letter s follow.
2h15
